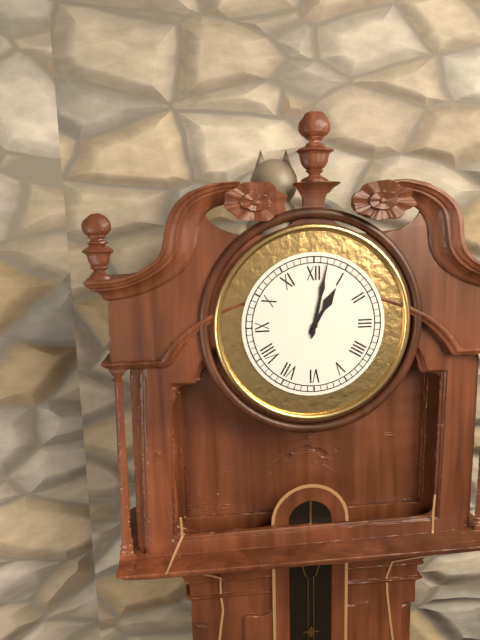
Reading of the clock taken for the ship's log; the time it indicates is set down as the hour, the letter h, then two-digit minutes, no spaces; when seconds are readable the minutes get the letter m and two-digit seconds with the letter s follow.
1h02
